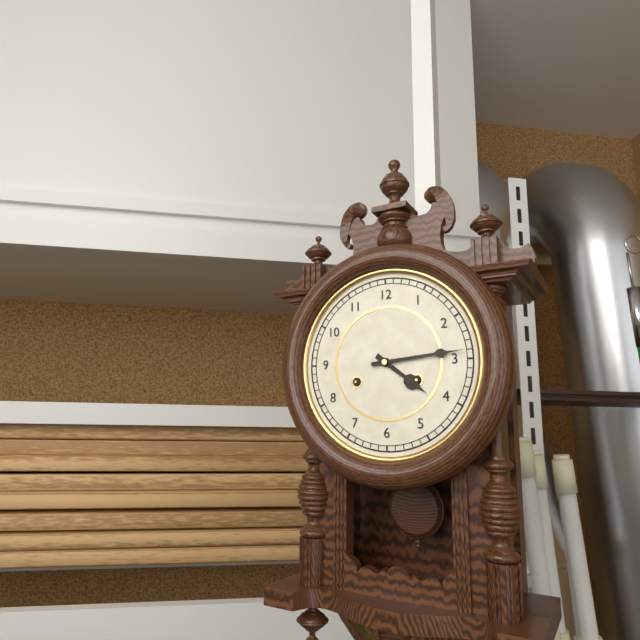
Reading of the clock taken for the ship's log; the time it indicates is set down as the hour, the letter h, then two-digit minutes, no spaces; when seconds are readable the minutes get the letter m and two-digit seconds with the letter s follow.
4h14
